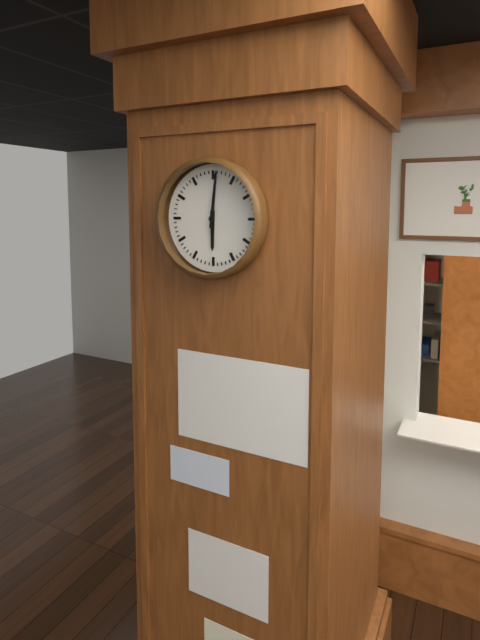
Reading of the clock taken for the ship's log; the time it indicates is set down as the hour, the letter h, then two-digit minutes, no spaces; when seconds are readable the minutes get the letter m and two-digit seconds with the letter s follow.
6h01
